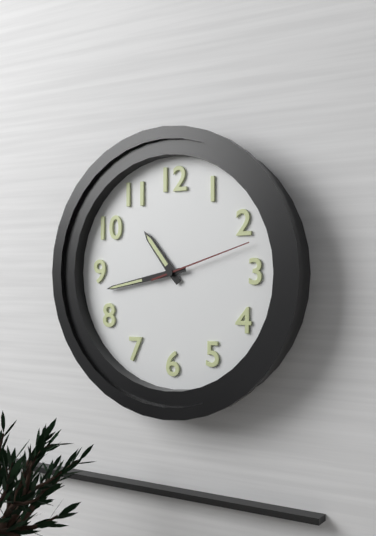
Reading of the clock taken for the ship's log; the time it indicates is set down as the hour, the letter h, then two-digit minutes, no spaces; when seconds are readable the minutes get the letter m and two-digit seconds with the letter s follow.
10h43m12s
